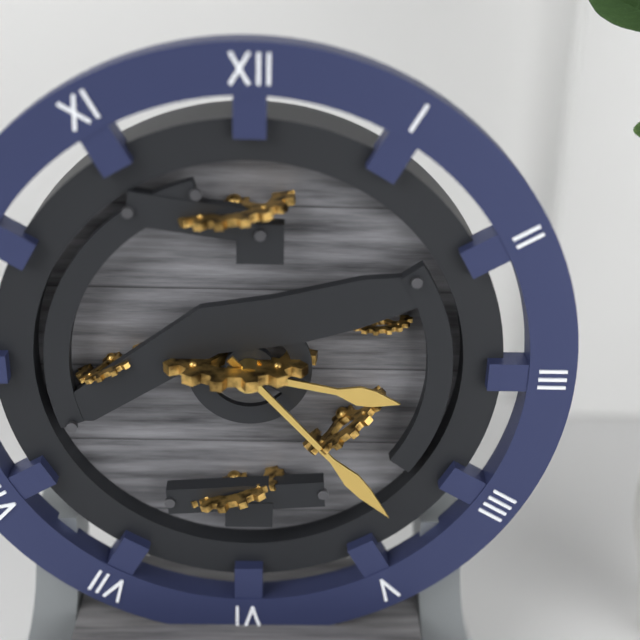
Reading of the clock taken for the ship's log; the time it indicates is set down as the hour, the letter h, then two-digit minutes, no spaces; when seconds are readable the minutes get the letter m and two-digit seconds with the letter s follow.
3h23
